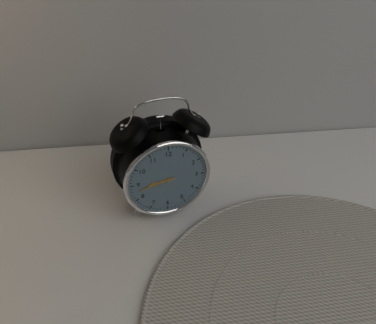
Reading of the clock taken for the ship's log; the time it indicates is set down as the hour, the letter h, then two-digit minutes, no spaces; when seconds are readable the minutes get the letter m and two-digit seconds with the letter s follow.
8h43
